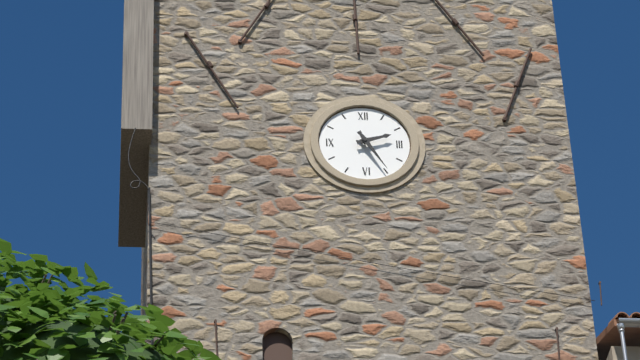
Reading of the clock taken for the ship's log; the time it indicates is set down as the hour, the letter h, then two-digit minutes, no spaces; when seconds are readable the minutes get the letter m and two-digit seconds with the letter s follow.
2h25
